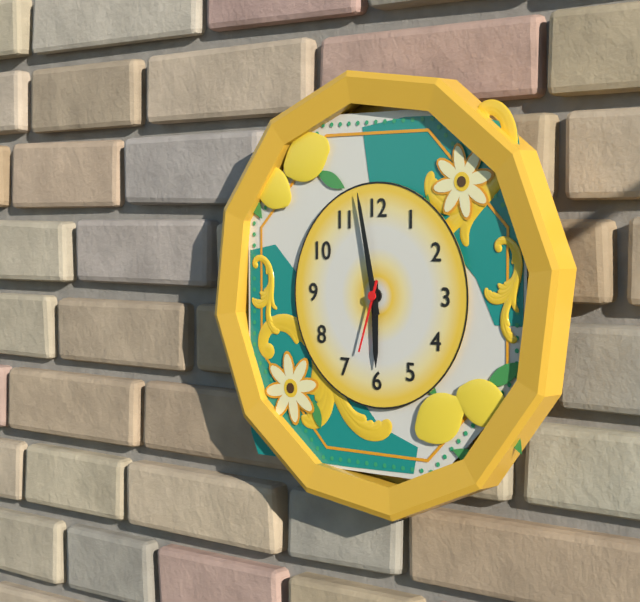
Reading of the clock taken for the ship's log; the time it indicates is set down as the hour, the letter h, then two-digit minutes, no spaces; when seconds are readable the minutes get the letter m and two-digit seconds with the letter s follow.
5h58m33s
